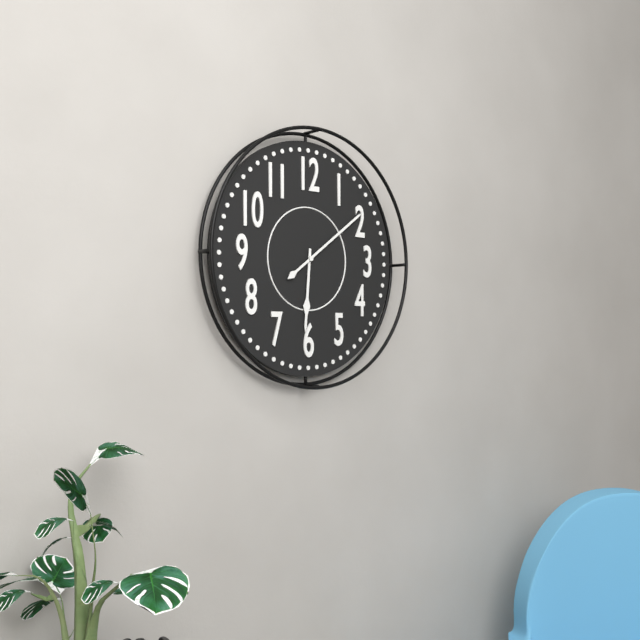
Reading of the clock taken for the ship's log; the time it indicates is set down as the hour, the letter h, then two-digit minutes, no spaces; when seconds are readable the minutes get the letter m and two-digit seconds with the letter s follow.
6h09
